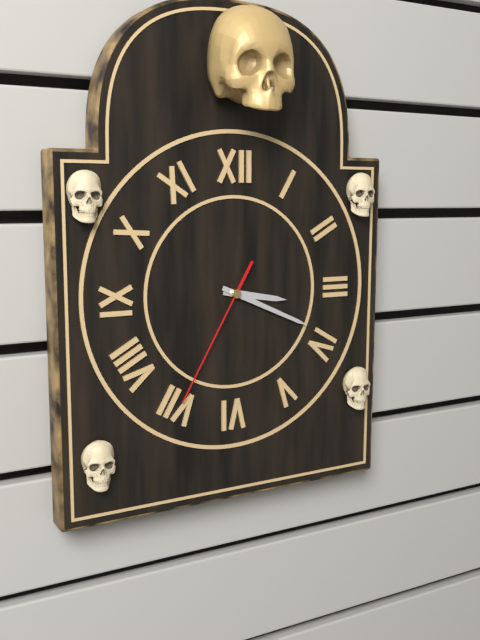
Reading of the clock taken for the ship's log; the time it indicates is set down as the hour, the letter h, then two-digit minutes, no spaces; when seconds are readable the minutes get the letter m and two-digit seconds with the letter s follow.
3h19m35s
